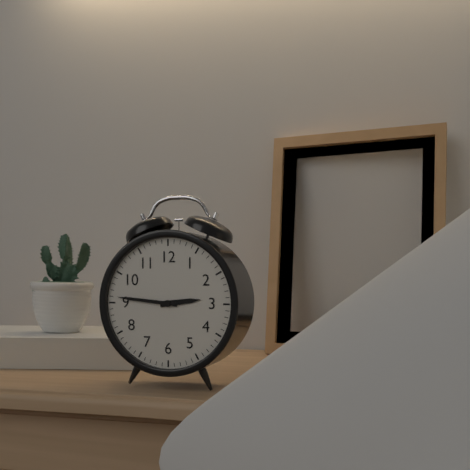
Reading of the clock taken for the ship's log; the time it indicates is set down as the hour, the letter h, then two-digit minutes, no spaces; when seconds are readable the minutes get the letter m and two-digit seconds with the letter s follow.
2h46
